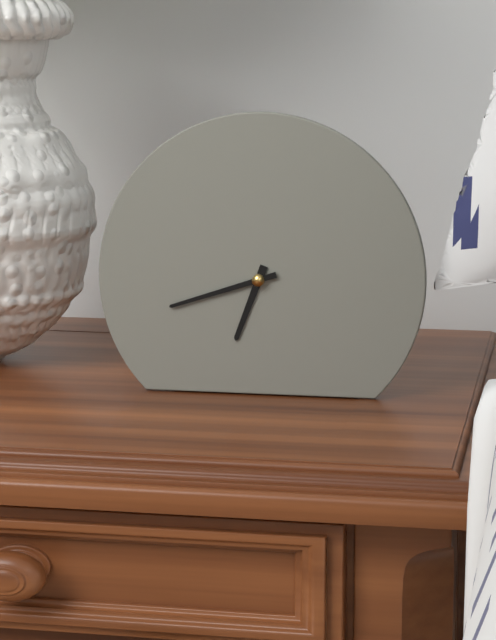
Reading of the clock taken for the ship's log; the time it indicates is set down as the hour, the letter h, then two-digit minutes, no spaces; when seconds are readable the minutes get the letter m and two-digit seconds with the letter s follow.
6h42
